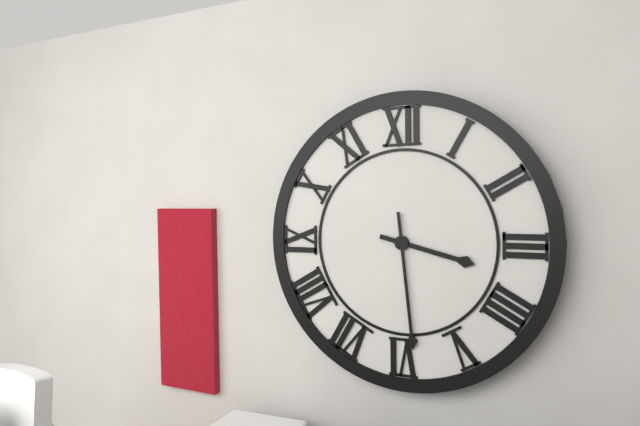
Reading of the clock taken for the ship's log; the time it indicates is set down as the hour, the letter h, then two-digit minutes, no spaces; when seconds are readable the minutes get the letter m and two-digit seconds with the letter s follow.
3h29
